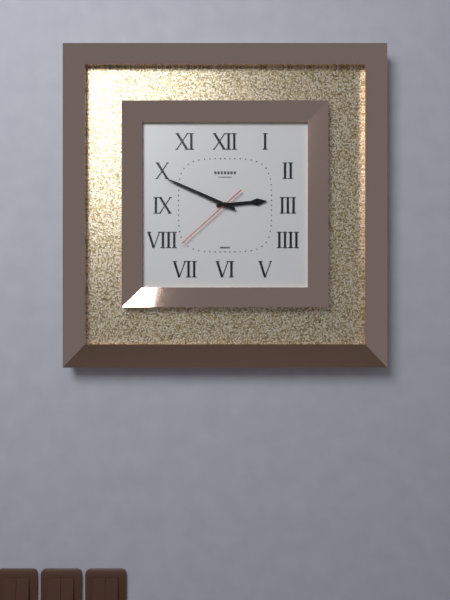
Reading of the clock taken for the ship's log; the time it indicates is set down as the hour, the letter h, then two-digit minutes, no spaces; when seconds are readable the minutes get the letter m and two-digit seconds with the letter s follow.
2h49m38s
